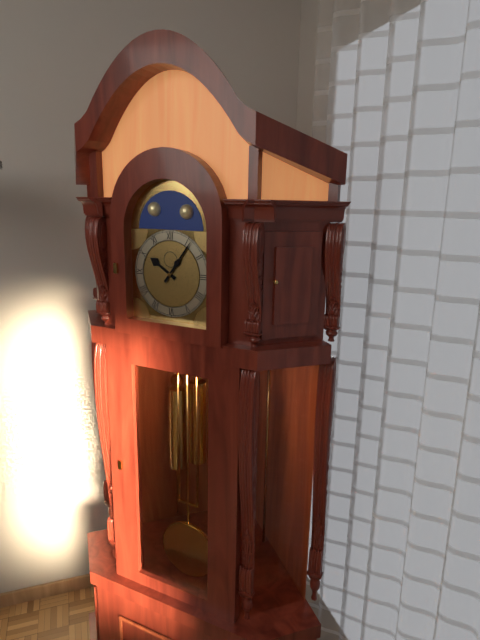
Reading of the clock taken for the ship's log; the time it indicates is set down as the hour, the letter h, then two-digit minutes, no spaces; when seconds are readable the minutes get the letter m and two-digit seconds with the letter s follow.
10h06
